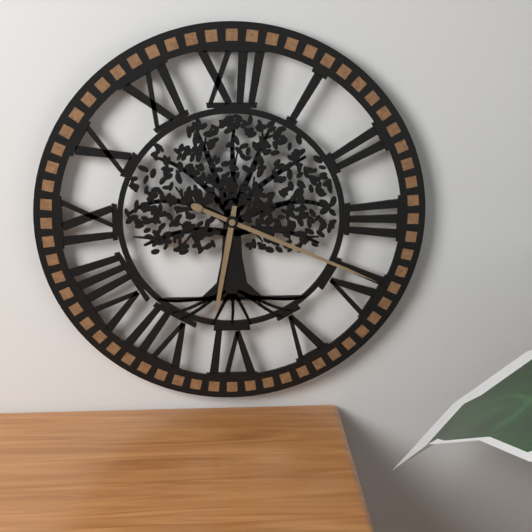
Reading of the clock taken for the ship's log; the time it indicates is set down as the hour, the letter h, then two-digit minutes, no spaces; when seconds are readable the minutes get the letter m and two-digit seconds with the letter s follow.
6h19
